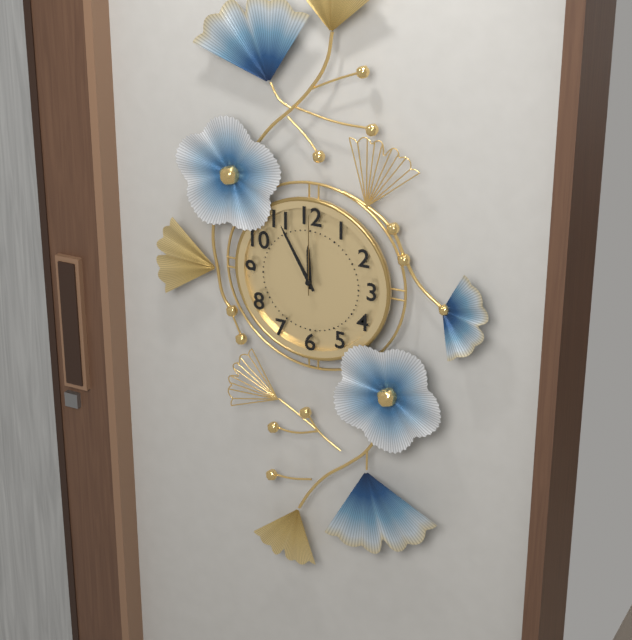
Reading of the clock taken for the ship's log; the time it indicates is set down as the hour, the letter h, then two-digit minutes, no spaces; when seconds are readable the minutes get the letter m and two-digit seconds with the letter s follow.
11h55m00s
